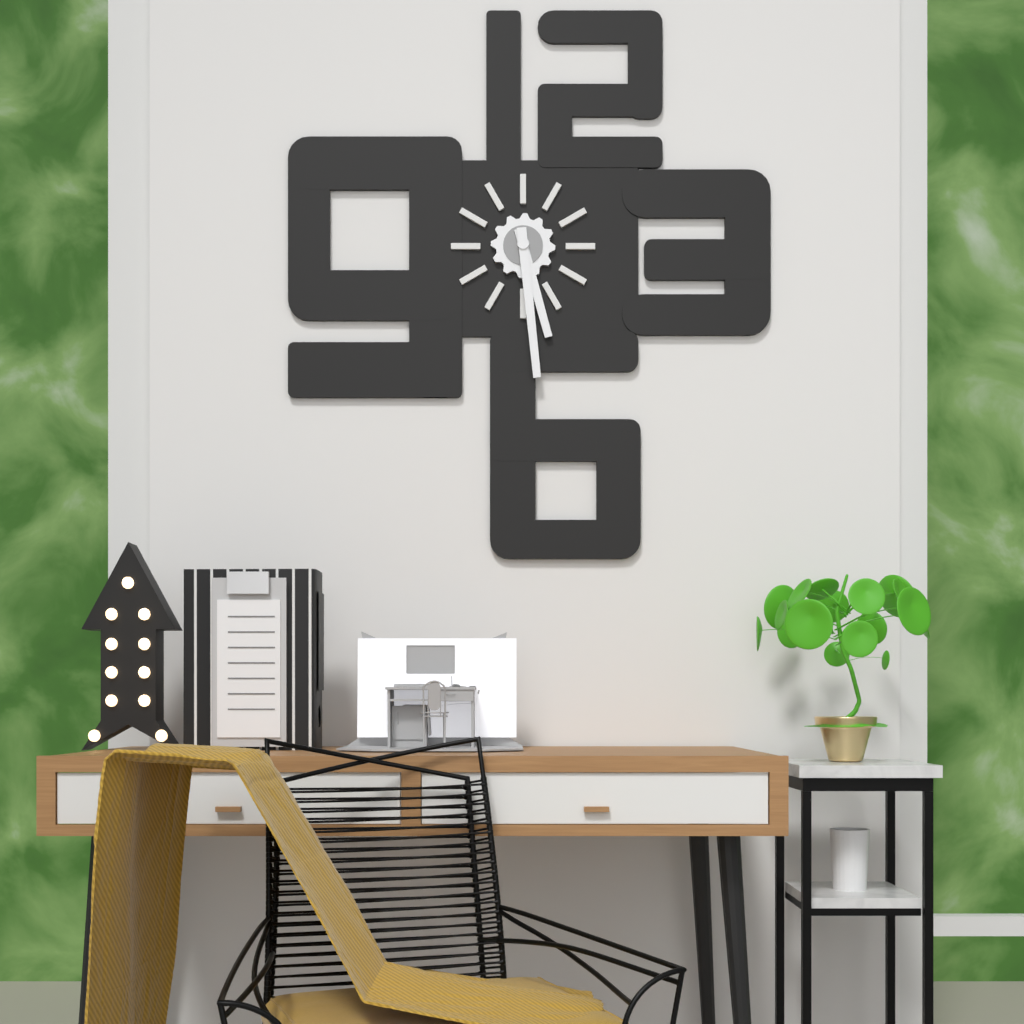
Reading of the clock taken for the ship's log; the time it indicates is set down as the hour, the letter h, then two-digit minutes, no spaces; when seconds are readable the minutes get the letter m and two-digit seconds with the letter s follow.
5h29
